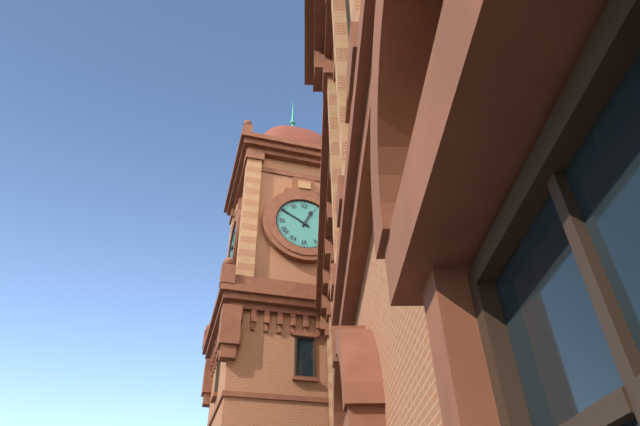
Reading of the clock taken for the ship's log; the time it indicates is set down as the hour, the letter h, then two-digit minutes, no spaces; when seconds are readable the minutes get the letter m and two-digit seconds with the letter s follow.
12h50
